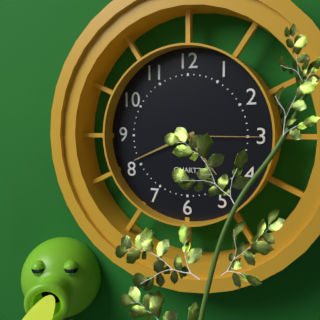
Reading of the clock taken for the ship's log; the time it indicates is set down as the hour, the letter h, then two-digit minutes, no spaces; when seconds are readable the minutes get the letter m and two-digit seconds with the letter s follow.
4h41m15s
